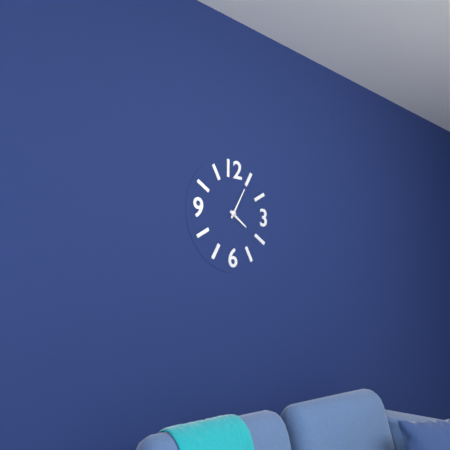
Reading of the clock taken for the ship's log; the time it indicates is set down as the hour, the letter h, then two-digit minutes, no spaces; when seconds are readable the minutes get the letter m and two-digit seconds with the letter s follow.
4h05
